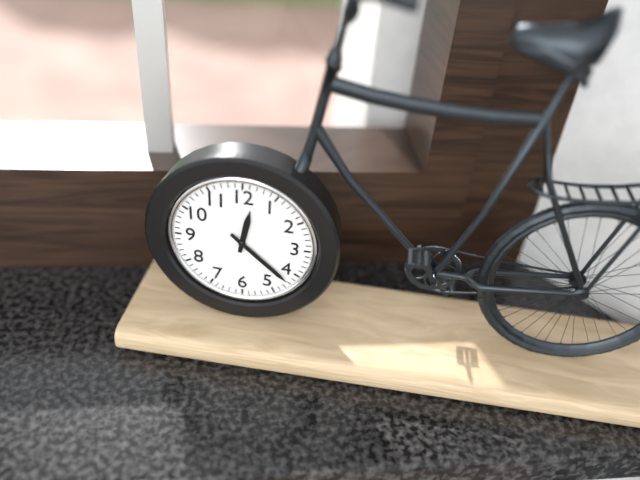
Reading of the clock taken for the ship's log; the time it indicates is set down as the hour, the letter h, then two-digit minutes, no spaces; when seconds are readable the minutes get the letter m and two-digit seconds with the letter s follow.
12h22
